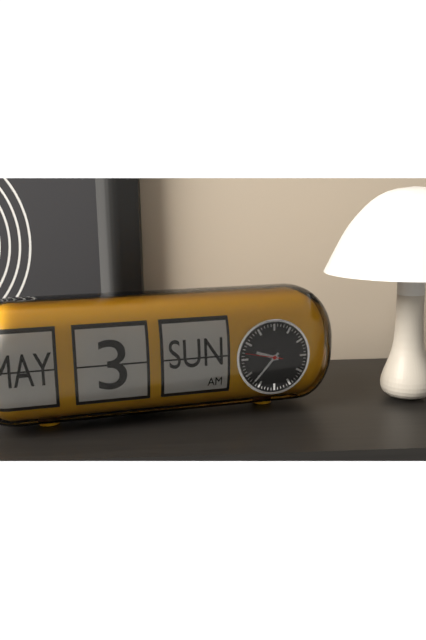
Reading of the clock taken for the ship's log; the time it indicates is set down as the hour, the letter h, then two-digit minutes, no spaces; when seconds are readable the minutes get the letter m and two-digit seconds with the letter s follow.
9h37
